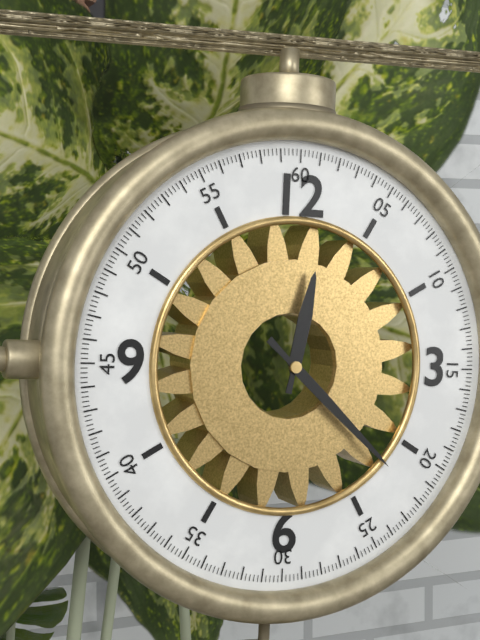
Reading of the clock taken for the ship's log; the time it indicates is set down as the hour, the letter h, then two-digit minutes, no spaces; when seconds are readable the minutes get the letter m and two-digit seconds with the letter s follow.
12h22
